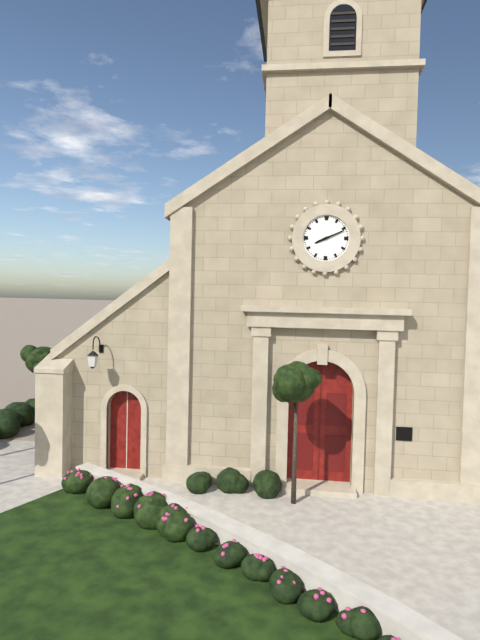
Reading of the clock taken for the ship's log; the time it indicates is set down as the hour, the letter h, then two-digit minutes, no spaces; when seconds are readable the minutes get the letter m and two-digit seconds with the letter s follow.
8h11
